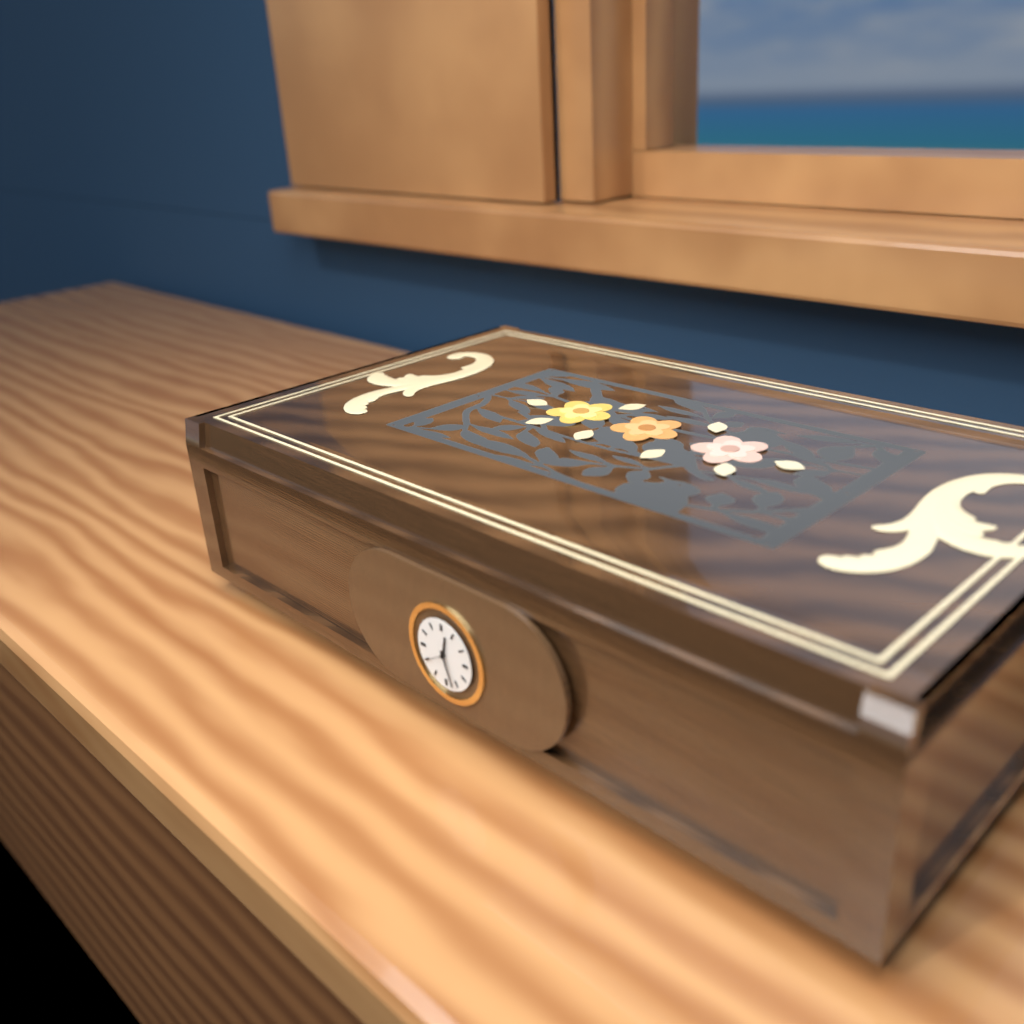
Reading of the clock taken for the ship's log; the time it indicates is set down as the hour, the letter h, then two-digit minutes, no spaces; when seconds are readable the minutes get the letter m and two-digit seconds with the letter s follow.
12h27m40s
